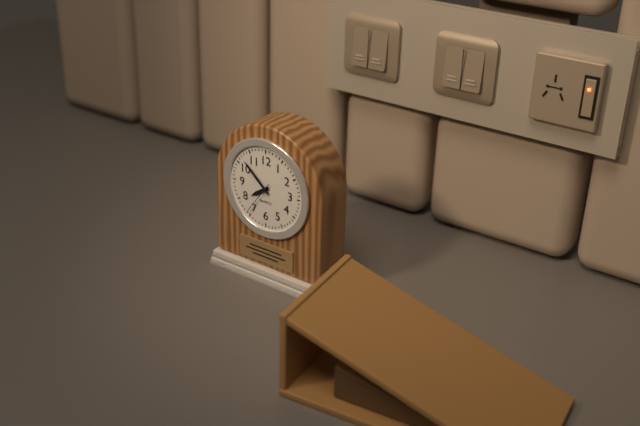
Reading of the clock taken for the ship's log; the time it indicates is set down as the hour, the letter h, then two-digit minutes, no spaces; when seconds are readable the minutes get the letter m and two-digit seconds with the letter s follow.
7h52
